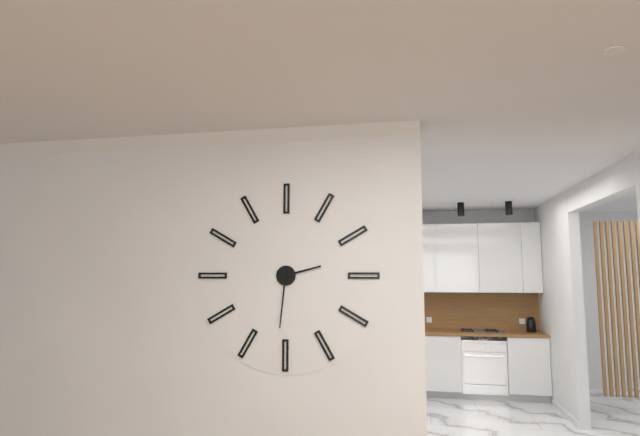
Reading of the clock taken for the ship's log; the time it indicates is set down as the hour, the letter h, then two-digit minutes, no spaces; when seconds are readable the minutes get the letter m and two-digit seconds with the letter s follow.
2h31
